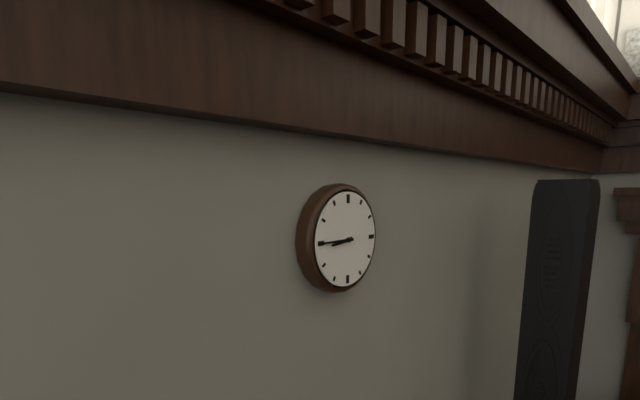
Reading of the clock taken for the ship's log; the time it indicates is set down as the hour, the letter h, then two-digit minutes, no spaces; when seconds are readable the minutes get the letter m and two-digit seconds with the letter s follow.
8h45
